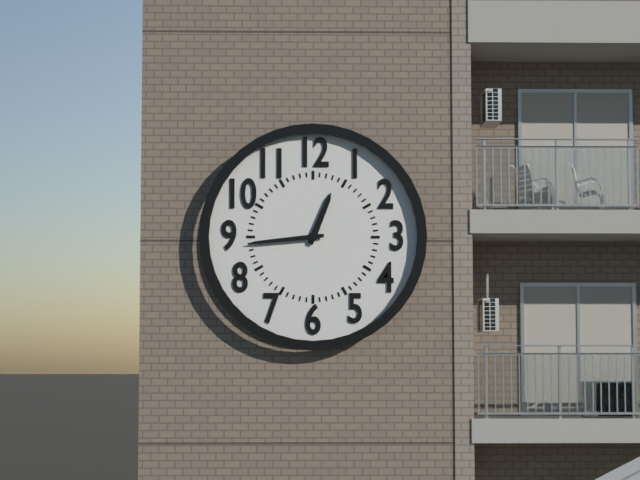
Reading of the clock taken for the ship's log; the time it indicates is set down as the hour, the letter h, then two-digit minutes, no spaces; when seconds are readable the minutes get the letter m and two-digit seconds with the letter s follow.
12h44
